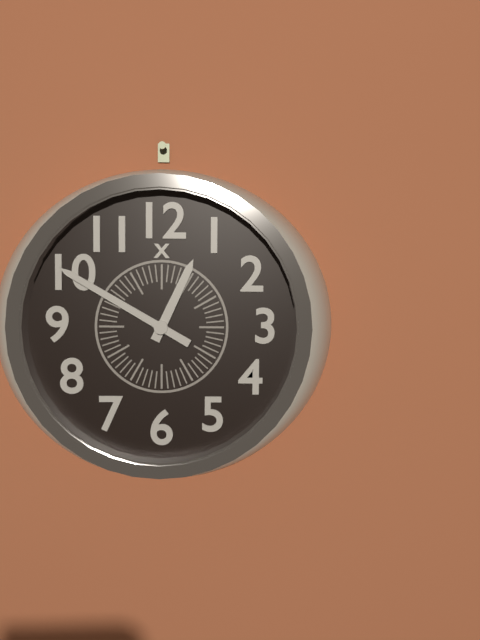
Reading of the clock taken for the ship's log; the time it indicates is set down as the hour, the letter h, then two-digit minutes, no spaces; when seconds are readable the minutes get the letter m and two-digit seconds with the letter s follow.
12h50
